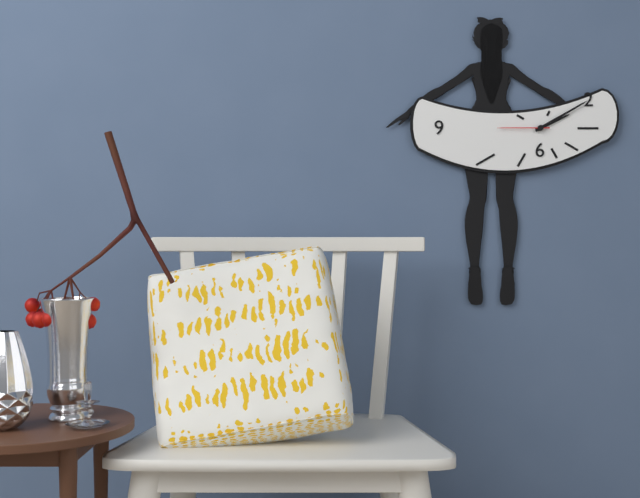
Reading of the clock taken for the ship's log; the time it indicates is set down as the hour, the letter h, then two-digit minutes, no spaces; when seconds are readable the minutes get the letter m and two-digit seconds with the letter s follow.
2h10m45s
